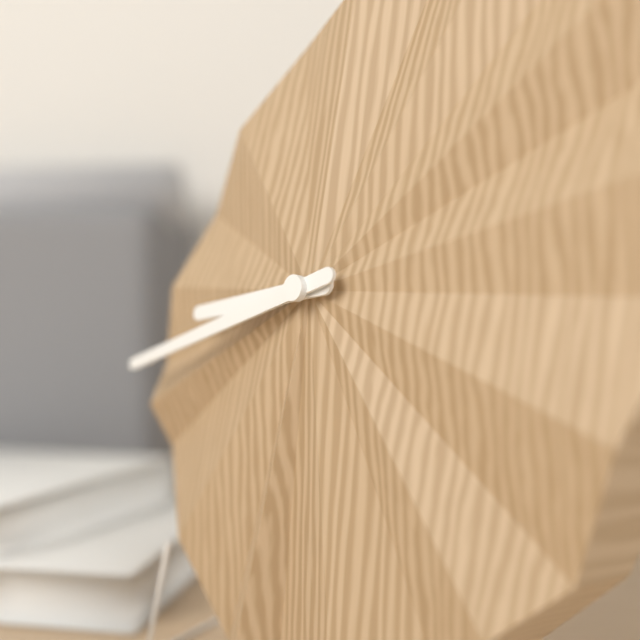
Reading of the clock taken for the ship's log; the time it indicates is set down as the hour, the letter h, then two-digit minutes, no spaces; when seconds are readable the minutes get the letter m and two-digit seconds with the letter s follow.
8h42
